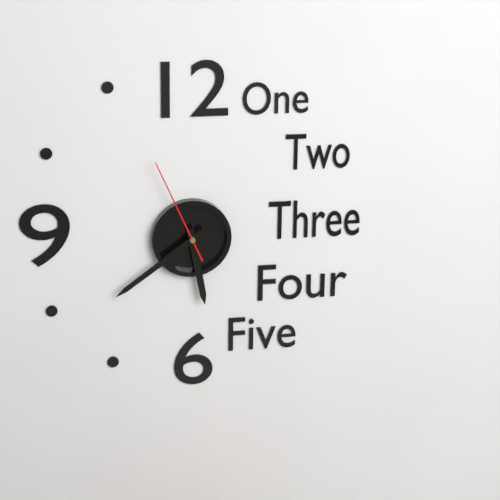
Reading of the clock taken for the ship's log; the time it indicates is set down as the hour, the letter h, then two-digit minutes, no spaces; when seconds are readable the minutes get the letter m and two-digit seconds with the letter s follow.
5h39m56s
